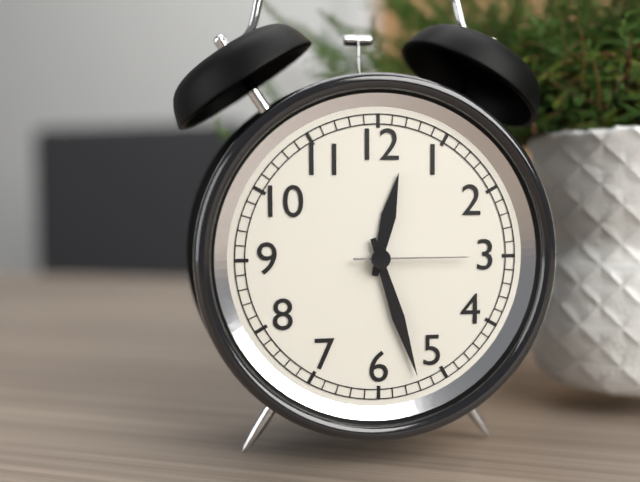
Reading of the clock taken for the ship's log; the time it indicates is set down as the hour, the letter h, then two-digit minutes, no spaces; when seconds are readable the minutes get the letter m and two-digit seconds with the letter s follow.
12h27m15s
